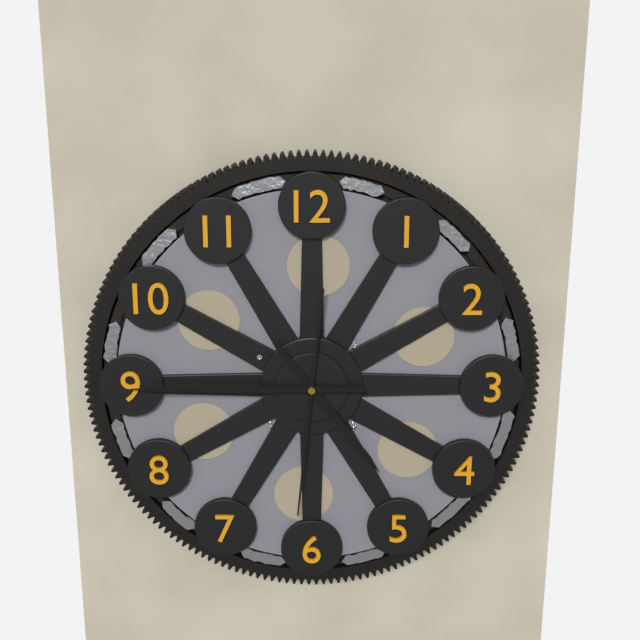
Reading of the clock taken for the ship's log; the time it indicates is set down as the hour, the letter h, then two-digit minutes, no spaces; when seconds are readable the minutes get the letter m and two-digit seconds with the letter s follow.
4h45m31s
